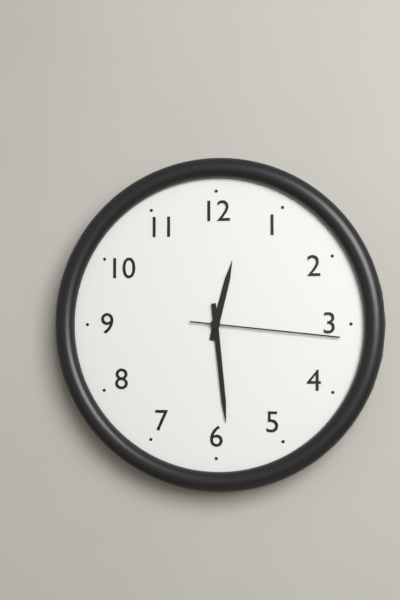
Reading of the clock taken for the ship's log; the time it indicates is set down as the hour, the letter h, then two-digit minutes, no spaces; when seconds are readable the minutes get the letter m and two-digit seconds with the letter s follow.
12h29m16s
